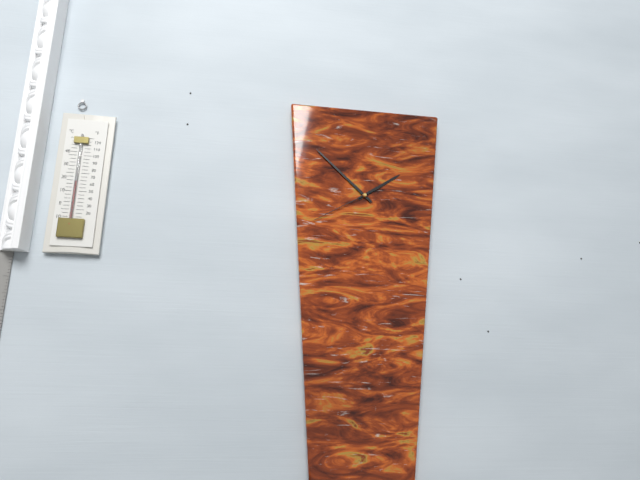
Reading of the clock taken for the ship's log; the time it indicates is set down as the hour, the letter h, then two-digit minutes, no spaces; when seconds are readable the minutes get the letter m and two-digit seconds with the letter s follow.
1h52m40s
